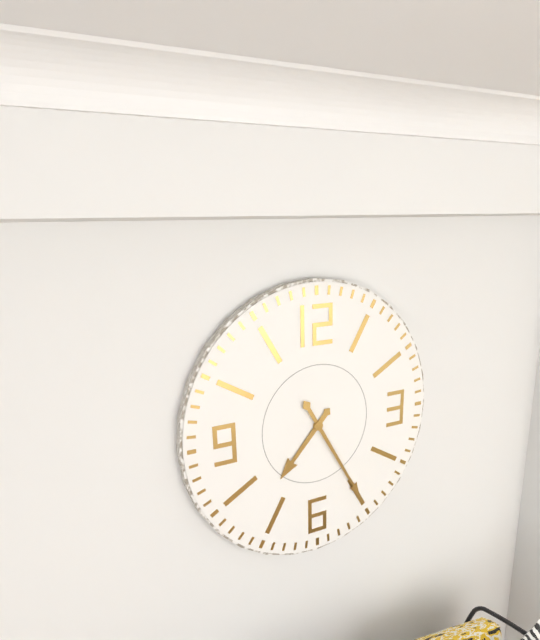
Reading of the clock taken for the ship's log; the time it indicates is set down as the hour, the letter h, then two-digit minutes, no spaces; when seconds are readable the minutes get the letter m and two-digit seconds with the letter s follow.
7h25
